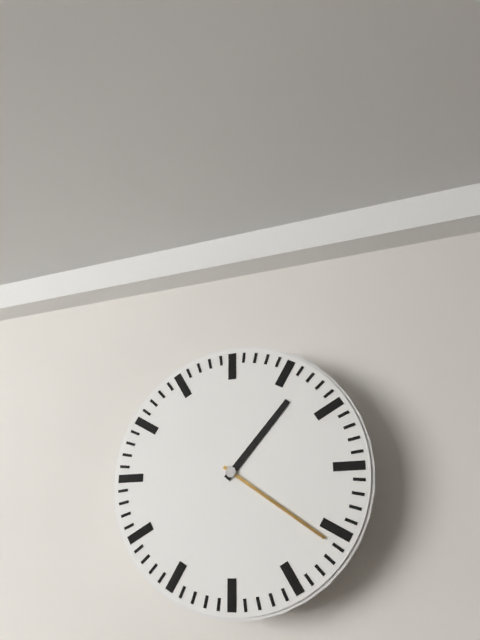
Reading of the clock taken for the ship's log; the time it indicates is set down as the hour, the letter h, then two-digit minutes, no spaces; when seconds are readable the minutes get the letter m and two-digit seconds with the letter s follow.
1h21
